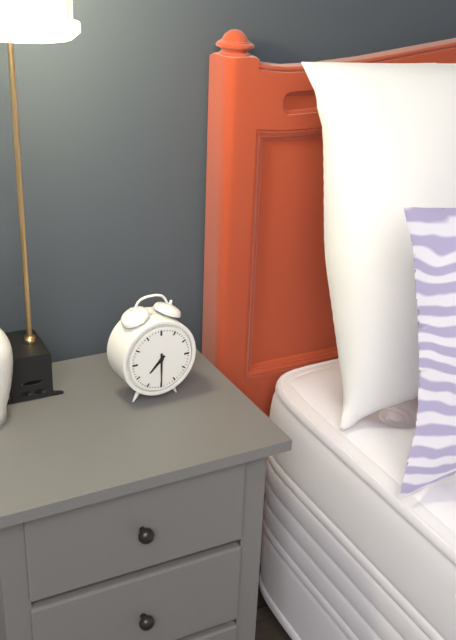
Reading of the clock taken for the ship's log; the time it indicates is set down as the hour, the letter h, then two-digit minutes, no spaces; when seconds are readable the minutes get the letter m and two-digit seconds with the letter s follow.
7h30
